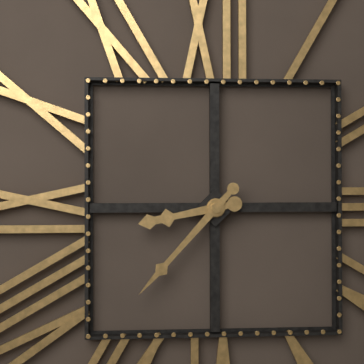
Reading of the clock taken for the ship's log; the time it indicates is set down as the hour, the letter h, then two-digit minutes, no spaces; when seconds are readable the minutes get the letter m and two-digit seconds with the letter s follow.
8h37
